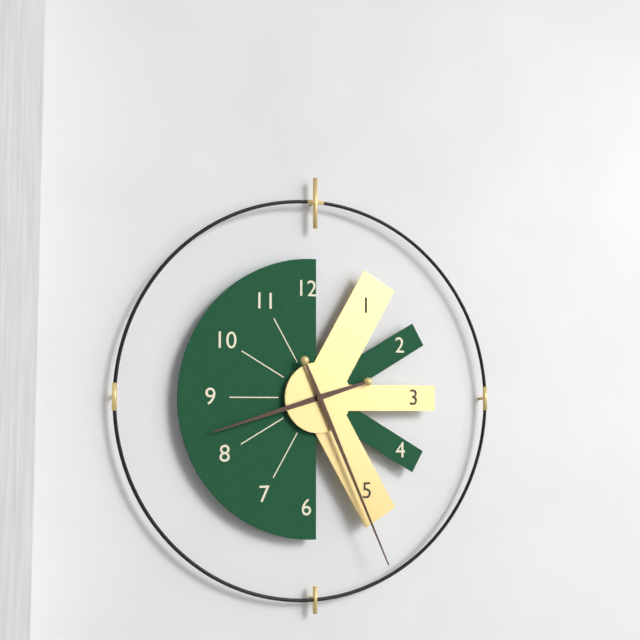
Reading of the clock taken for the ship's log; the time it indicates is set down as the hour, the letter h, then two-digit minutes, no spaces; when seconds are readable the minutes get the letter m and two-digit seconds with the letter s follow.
8h26
